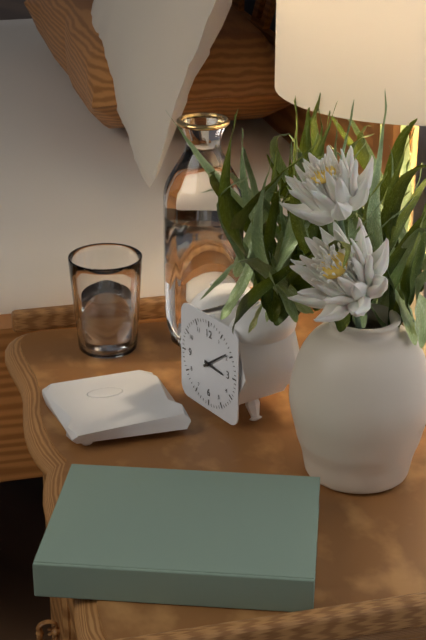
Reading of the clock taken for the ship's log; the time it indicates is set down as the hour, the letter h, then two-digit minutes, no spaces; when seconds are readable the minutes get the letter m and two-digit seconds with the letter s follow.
3h09
